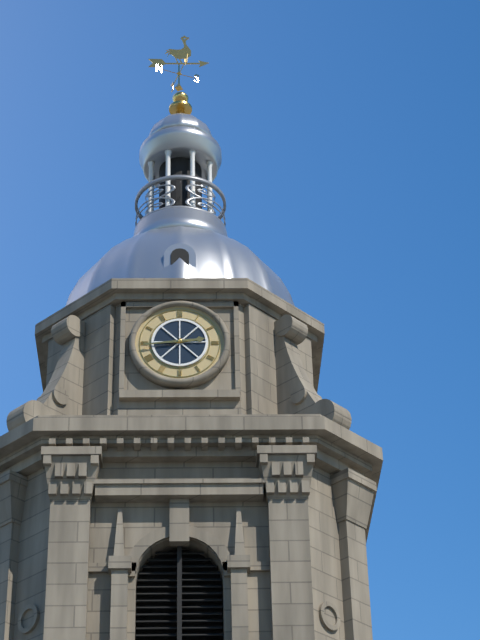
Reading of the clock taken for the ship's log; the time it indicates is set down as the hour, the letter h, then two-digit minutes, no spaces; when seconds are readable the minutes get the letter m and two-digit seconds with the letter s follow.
2h44
